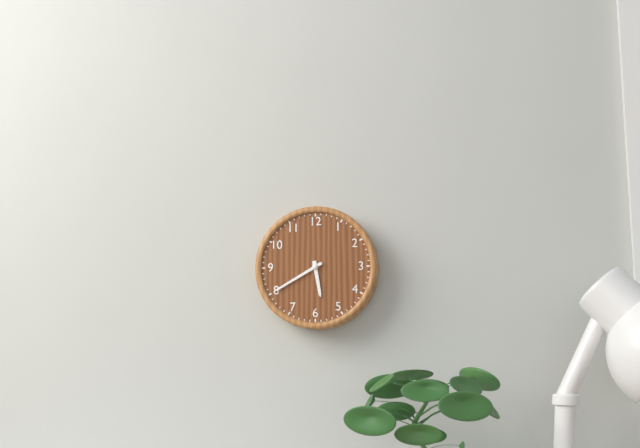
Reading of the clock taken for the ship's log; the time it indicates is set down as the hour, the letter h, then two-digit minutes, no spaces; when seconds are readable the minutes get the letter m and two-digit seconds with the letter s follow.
5h40
